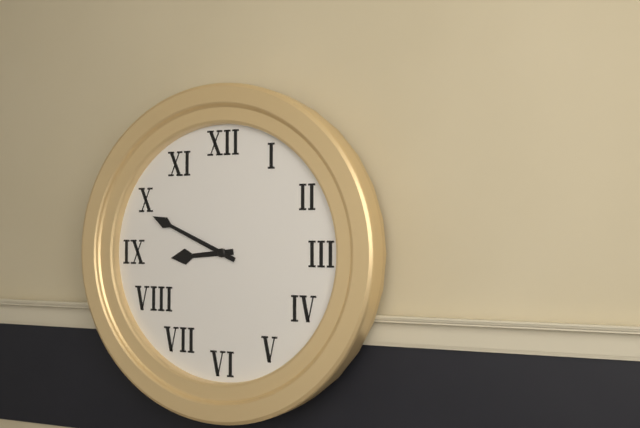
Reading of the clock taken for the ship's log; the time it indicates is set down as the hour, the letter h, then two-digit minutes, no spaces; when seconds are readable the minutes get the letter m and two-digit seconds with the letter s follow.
8h49
